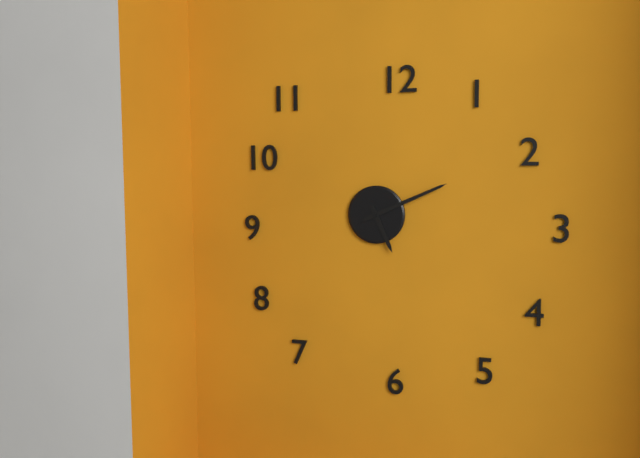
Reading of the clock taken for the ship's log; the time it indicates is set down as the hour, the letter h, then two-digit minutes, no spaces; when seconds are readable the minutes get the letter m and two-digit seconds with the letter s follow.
5h11
